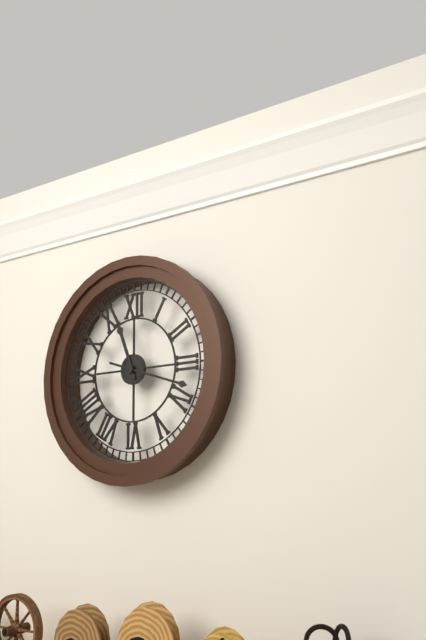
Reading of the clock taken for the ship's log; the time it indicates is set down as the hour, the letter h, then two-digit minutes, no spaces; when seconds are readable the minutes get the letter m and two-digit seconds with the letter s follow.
11h18
